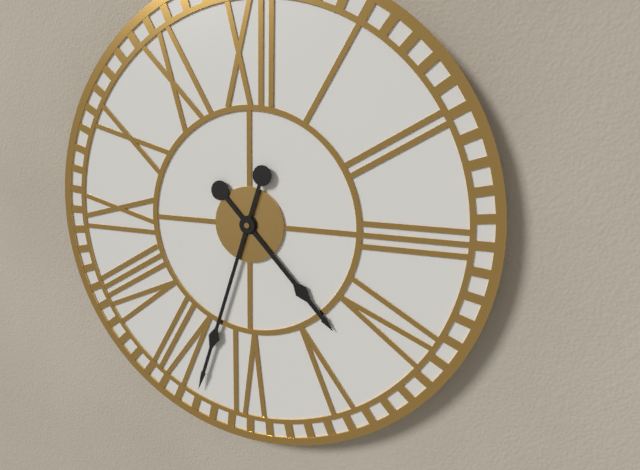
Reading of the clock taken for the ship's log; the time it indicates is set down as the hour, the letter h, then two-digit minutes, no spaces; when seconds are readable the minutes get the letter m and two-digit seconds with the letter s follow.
4h33
